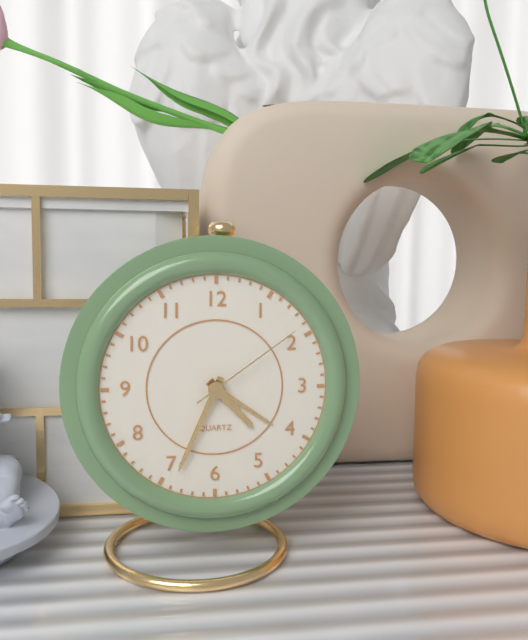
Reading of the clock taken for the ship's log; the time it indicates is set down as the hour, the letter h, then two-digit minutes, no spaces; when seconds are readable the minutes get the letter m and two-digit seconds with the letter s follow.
4h34m09s
